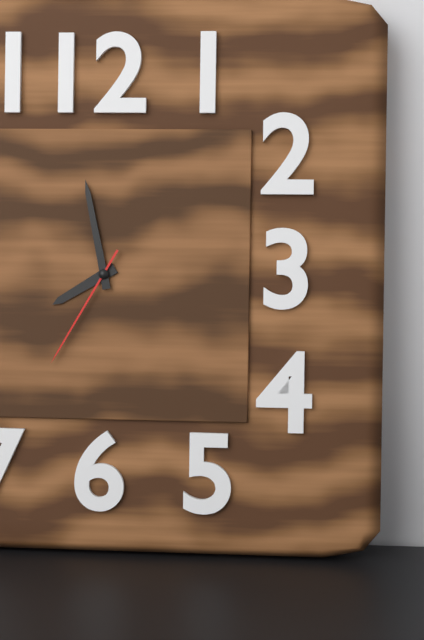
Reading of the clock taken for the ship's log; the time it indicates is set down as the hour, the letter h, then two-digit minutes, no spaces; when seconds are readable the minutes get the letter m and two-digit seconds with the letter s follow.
7h58m35s
